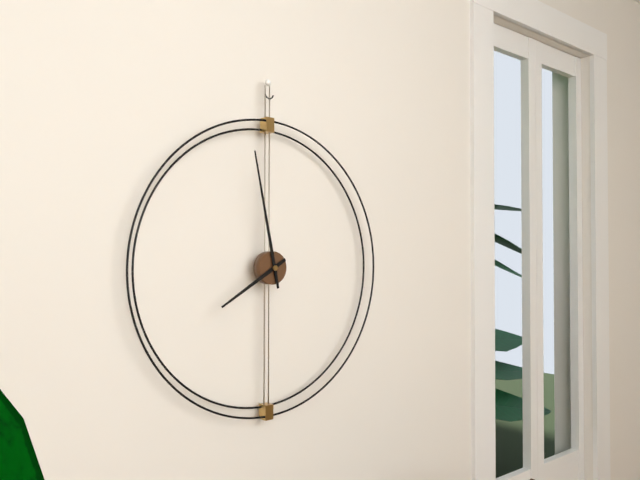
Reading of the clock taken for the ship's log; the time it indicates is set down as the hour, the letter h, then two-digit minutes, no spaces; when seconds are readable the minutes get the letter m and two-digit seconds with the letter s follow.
7h58
